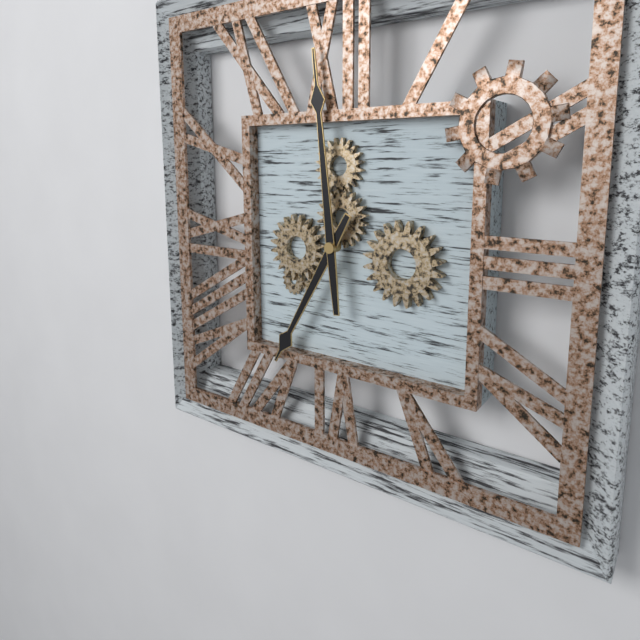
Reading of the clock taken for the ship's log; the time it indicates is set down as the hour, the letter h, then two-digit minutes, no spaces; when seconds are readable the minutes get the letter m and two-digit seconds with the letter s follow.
6h59
